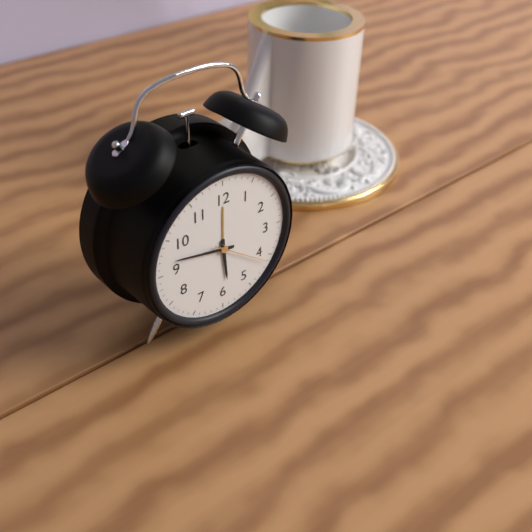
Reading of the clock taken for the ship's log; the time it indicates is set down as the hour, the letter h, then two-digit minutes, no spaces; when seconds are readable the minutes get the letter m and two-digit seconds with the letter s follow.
5h47m21s
